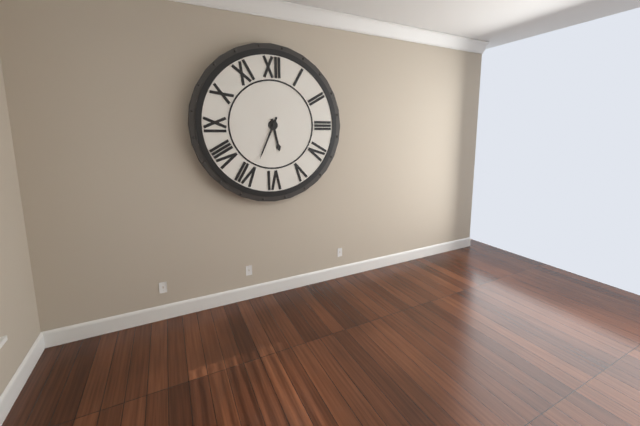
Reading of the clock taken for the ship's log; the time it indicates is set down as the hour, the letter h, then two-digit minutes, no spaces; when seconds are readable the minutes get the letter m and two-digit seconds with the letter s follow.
5h34
